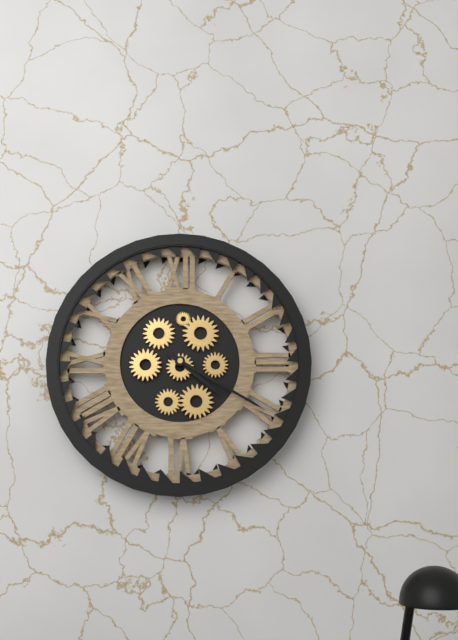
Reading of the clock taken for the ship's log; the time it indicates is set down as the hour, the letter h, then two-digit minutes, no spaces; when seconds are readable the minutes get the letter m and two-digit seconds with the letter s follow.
4h20
